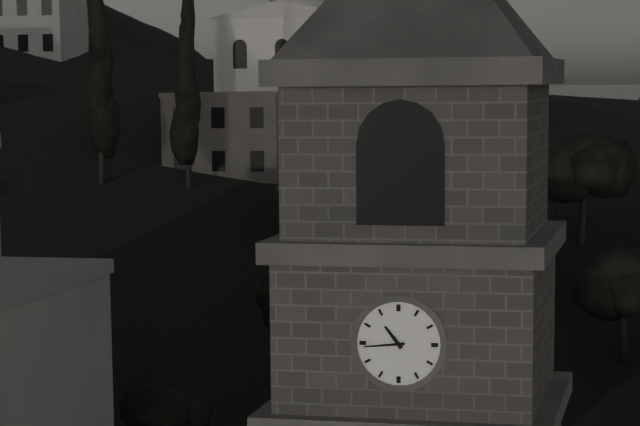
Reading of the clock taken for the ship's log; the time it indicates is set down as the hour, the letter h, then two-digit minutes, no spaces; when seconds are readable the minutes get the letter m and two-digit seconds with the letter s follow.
10h44
